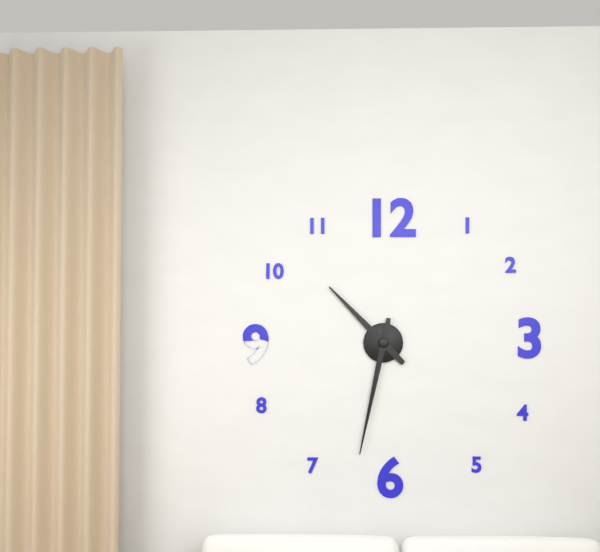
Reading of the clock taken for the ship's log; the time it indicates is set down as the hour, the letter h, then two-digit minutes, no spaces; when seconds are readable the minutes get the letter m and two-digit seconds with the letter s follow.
10h32
